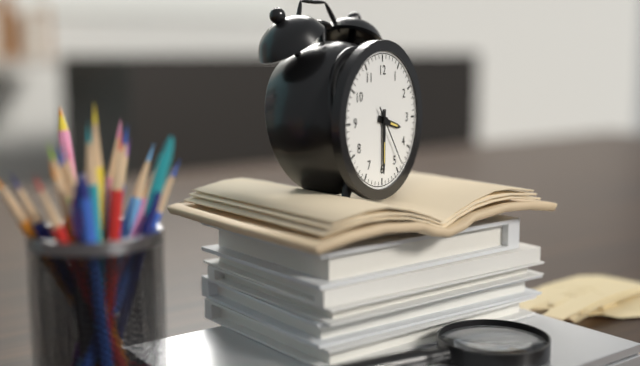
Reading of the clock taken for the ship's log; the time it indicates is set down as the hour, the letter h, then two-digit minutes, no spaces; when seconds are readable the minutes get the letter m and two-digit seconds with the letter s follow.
3h30m24s
